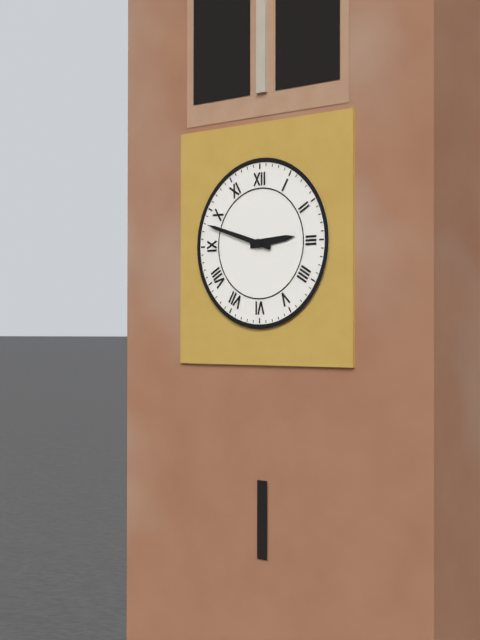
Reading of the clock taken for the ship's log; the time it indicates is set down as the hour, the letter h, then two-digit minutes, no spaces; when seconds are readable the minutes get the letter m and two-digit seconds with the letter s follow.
2h48
